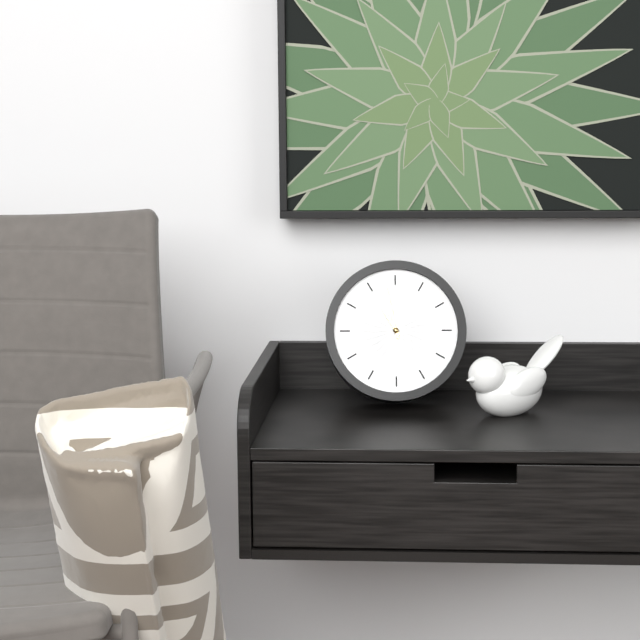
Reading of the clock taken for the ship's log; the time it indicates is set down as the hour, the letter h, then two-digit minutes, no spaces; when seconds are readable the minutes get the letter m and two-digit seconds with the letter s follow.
10h58
